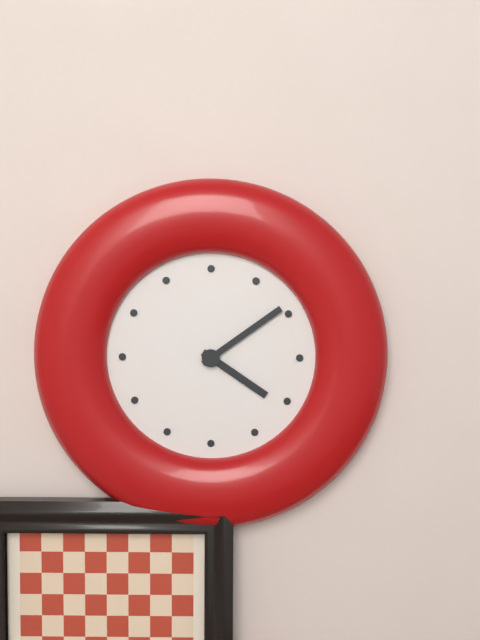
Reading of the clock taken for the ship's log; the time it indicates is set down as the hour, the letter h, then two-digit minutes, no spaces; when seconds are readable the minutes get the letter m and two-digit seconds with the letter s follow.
4h09
